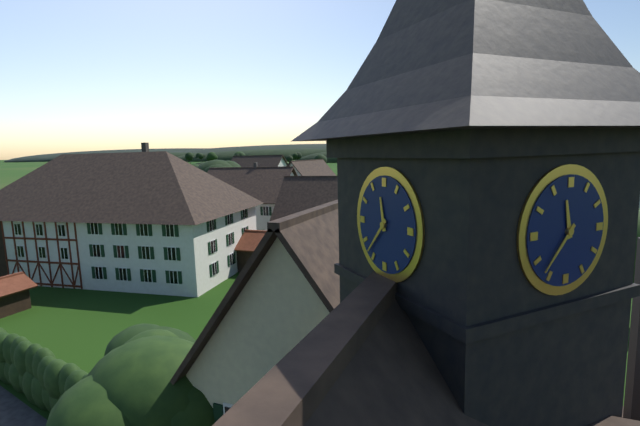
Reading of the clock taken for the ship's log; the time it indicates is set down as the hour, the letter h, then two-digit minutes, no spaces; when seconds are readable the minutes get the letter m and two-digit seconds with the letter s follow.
11h37
